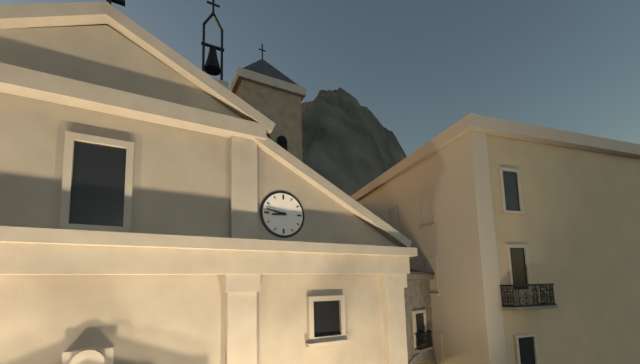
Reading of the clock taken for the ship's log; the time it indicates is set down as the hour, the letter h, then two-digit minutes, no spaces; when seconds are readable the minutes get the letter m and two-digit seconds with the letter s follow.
8h47
